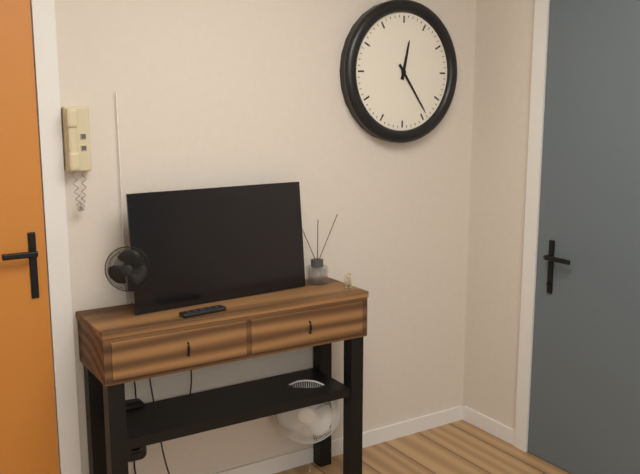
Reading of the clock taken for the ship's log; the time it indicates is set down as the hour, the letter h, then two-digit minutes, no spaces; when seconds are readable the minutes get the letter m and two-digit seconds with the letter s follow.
12h24
